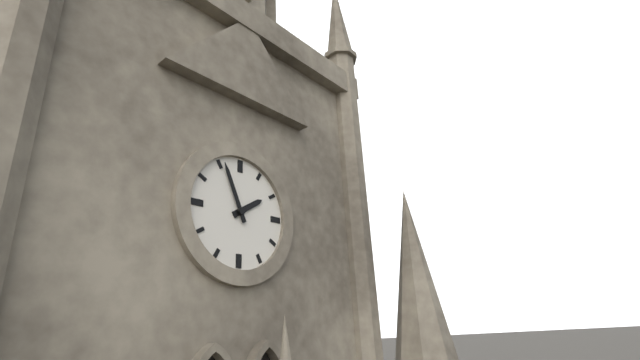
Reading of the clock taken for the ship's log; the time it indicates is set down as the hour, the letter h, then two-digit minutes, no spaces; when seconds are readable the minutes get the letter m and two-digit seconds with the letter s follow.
1h56
